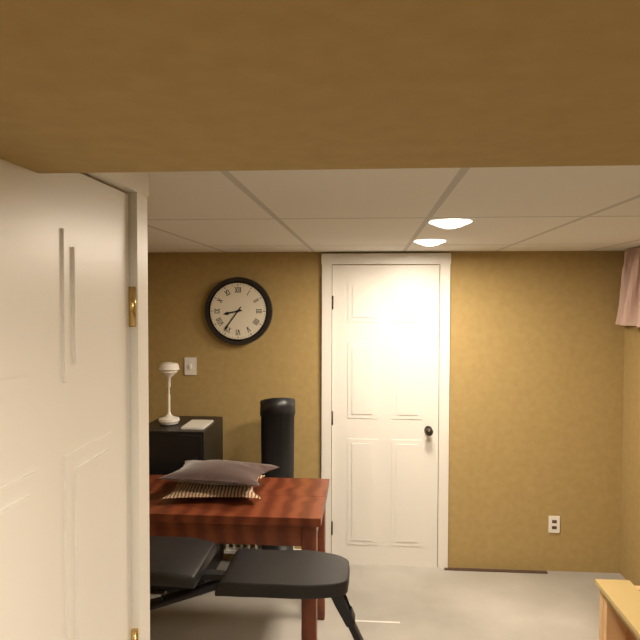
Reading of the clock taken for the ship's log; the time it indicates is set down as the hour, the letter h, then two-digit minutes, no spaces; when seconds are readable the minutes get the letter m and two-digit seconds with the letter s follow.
8h36
